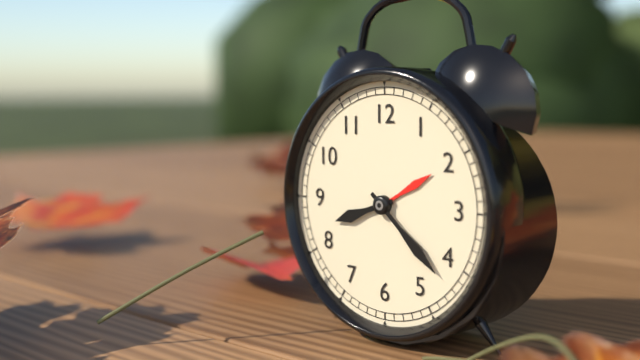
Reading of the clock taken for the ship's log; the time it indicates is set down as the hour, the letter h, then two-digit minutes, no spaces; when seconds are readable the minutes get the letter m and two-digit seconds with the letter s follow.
8h22
